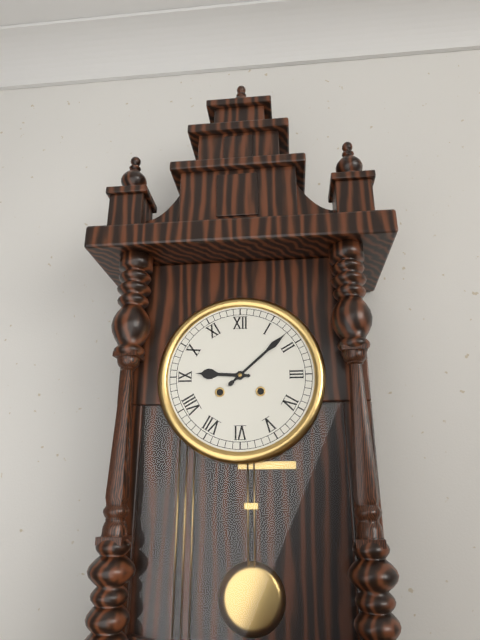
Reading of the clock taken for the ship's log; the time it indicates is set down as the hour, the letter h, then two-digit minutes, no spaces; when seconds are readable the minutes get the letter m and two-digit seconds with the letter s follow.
9h08
